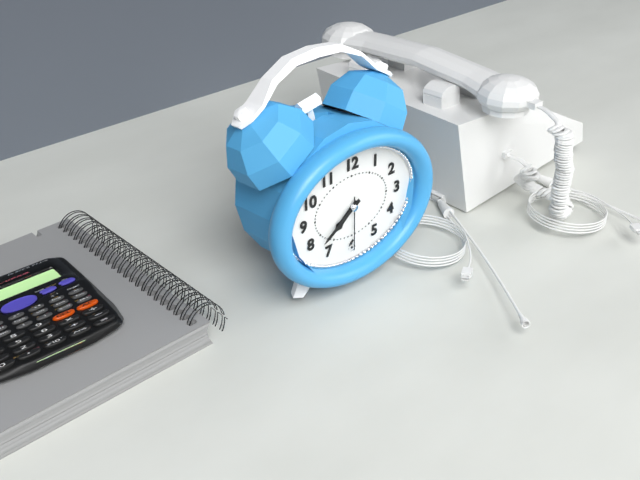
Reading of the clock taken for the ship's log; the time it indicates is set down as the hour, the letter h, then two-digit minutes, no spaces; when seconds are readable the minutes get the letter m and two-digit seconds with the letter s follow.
7h39m30s
